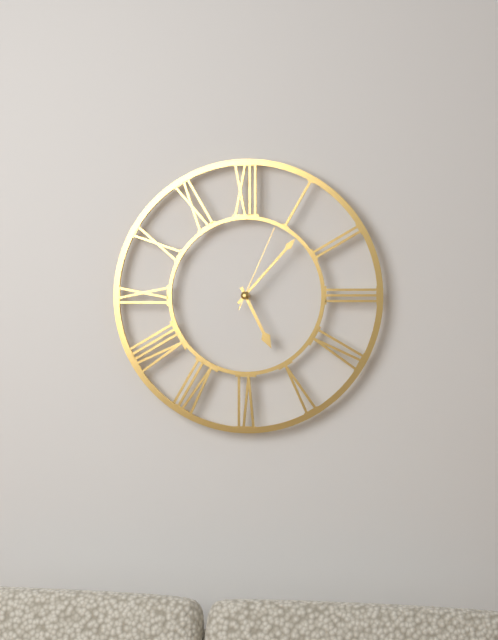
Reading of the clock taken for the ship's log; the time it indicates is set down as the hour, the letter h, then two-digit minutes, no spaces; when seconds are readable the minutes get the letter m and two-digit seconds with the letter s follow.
5h07m04s
